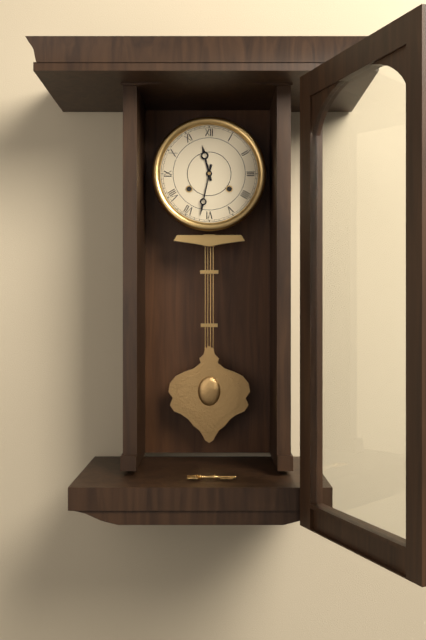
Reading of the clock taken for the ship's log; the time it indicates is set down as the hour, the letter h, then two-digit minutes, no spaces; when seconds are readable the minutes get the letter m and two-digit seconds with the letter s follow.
11h32
